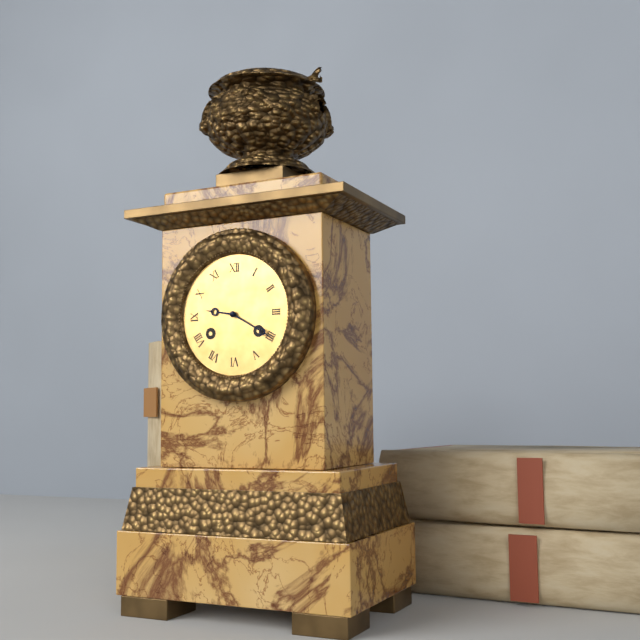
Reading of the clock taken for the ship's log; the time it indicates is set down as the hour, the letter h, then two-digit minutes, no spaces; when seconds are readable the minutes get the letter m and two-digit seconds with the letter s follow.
9h20
